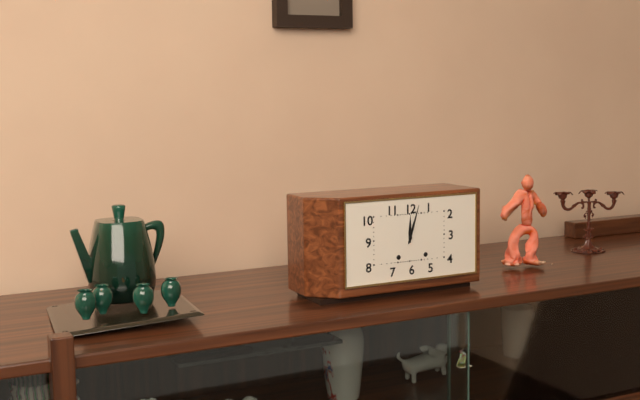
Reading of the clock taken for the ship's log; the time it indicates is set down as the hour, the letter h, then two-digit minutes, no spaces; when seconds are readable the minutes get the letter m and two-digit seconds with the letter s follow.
12h03
